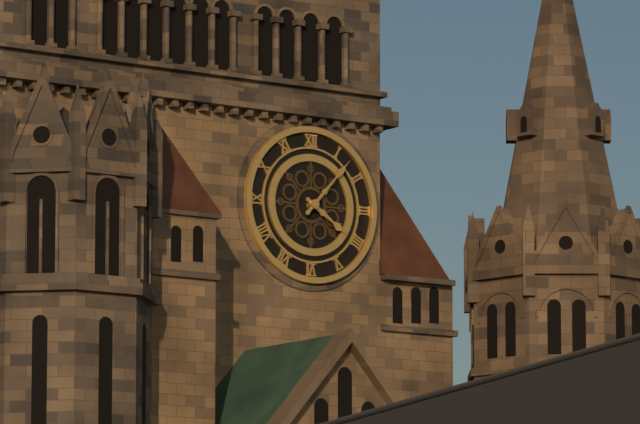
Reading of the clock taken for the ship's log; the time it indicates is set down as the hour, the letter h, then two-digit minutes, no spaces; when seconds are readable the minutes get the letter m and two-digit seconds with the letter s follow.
4h07
